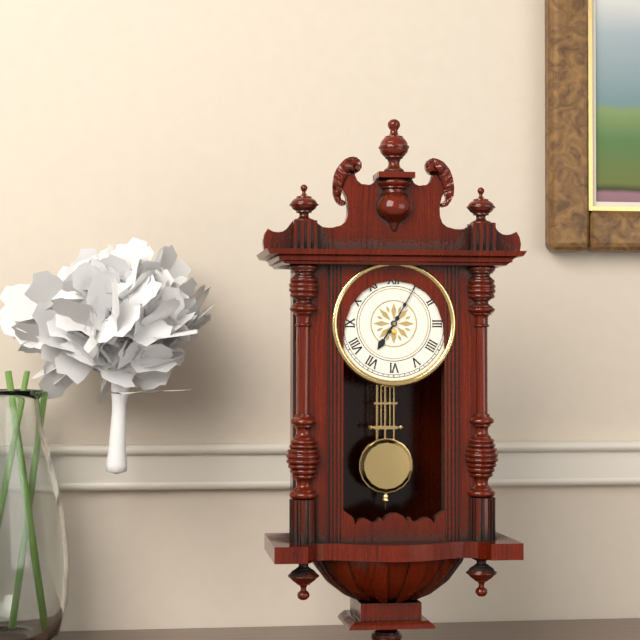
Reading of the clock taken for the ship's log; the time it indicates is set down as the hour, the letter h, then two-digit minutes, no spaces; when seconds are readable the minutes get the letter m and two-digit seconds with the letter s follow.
7h05
